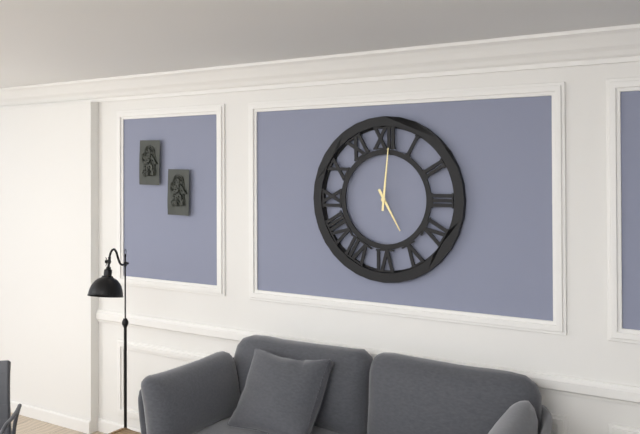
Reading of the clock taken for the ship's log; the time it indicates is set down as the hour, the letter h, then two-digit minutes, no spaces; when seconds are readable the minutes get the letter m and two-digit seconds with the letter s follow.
5h01
